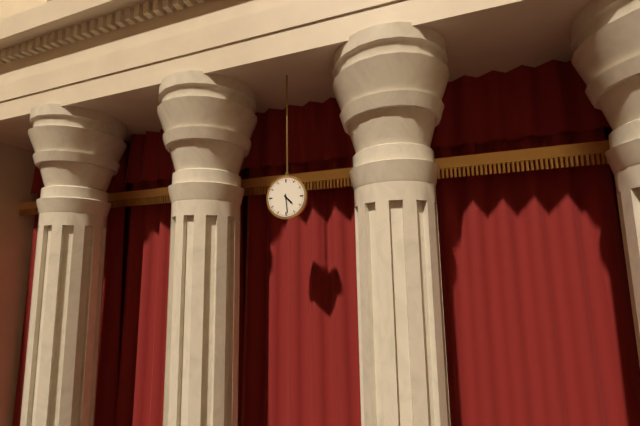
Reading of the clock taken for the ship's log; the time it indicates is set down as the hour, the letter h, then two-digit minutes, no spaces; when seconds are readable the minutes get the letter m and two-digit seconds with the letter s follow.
4h29
